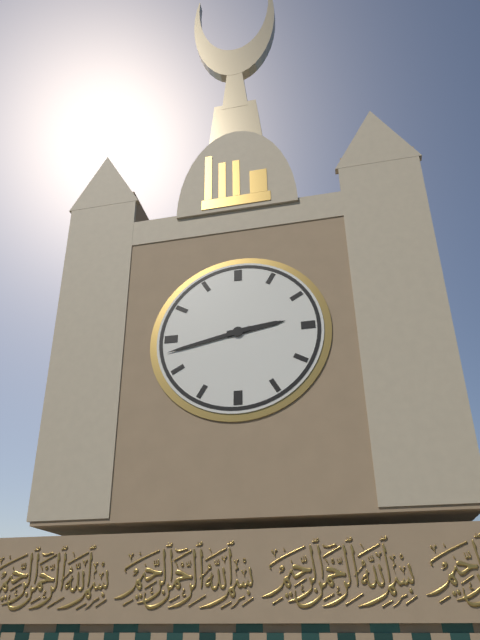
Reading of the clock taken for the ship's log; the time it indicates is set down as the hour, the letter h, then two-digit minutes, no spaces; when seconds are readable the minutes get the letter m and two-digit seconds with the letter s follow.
2h43
